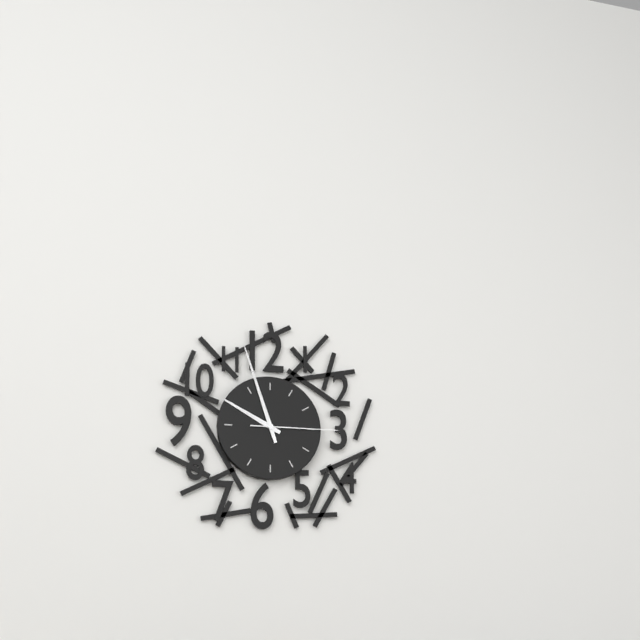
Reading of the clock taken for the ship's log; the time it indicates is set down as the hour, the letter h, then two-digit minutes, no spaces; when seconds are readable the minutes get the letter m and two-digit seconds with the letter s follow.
9h57m15s
